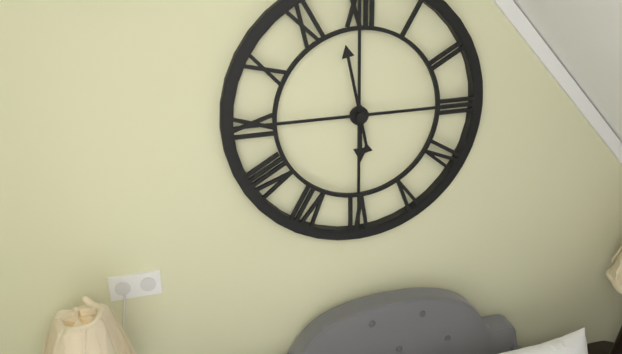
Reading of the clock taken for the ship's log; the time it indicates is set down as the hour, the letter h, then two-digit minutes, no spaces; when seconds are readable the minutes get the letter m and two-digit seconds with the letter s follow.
5h58
